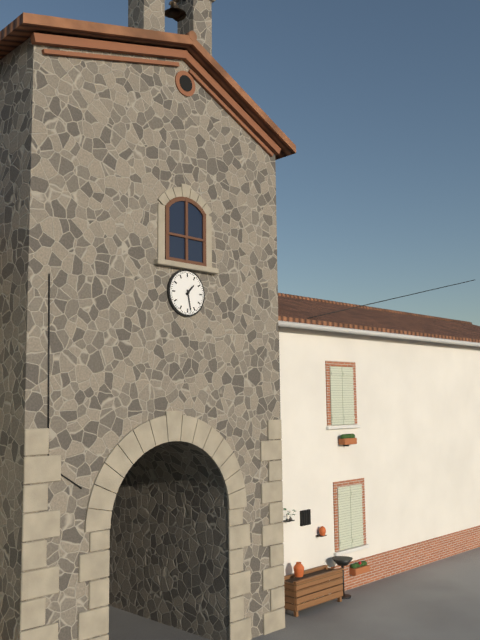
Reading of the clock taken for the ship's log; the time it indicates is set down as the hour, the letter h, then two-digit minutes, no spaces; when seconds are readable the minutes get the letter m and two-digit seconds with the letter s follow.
1h28
